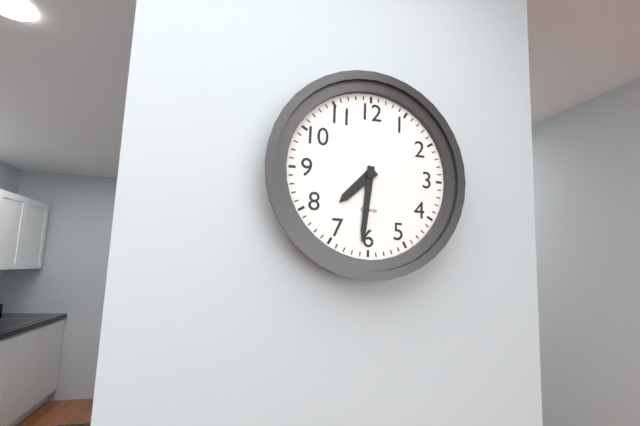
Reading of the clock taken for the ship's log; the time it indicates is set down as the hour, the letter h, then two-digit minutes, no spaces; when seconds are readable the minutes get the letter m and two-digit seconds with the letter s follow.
7h31
